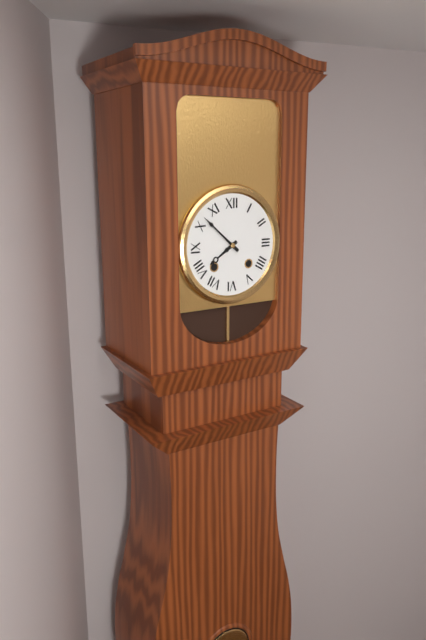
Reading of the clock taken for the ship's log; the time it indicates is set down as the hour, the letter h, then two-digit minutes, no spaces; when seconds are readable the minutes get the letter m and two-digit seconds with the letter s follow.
7h52
